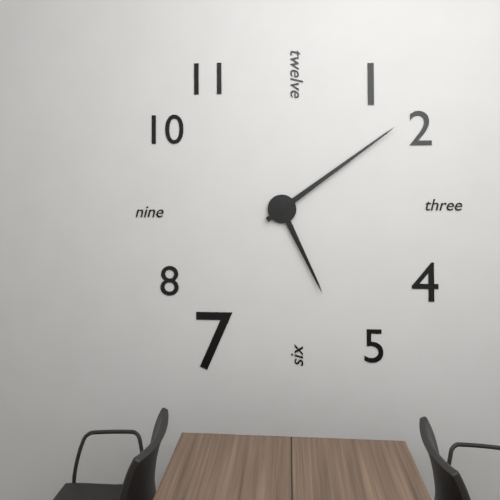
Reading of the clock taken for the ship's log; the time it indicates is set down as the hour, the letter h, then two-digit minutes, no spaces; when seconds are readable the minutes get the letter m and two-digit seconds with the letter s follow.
5h09
